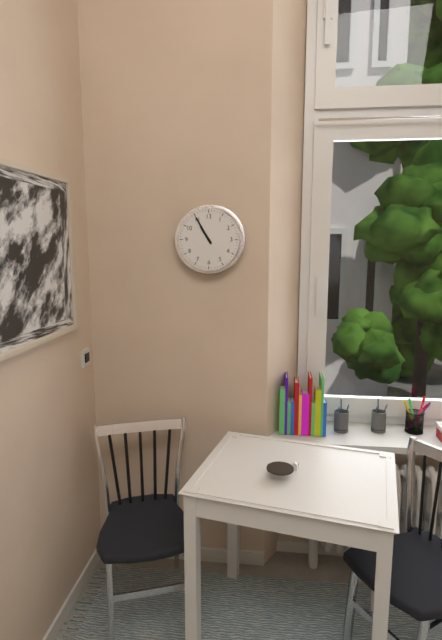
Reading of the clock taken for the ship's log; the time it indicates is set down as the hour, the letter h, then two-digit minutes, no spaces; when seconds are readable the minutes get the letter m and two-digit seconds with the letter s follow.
10h55
